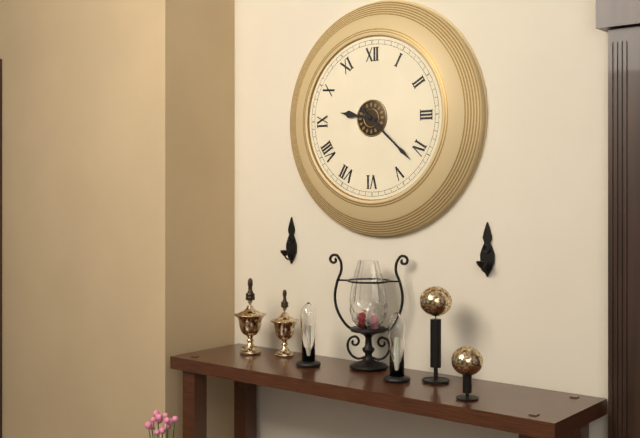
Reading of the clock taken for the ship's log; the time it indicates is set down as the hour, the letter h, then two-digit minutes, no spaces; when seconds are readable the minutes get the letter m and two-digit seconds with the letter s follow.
9h22
